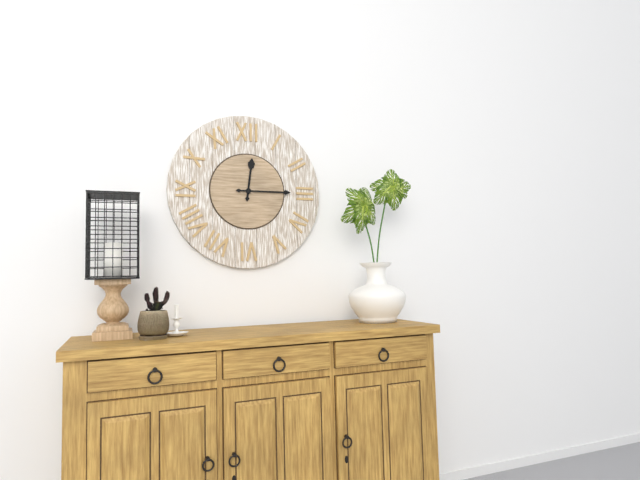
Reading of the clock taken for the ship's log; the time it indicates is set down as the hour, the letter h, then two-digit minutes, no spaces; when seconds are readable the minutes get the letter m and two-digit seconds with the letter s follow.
12h15
